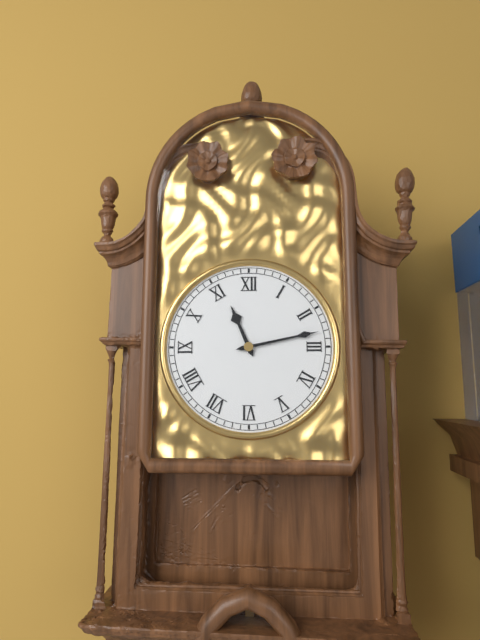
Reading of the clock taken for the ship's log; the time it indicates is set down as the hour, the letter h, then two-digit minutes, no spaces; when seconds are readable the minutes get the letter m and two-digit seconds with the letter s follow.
11h13
